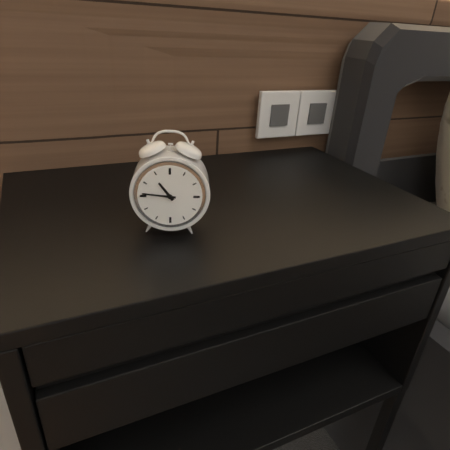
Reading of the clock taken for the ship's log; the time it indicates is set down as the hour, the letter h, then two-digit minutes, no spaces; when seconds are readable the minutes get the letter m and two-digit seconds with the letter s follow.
10h46
